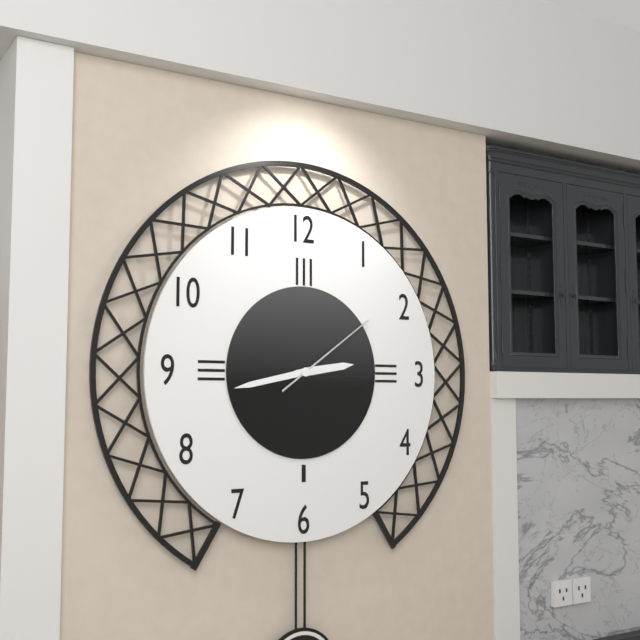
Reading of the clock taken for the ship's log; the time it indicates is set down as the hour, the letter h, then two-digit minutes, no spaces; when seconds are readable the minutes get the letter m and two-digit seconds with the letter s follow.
2h43m09s
